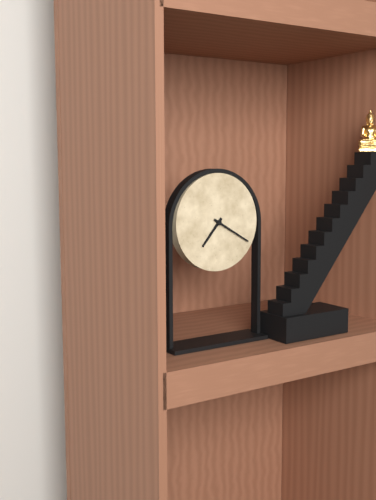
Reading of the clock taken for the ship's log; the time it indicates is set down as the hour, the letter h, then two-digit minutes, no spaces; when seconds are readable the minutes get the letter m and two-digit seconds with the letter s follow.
7h20
